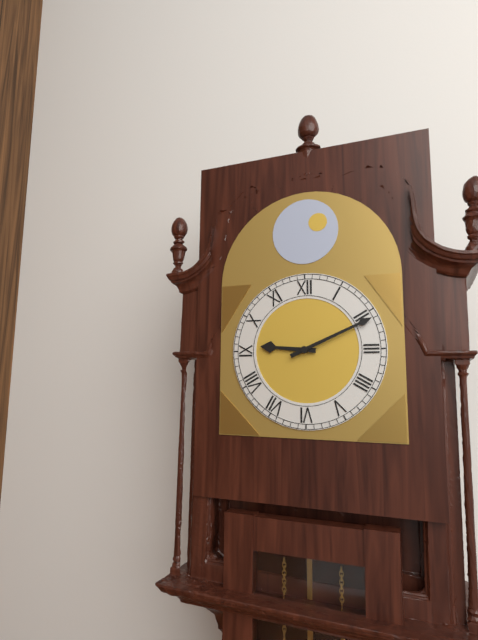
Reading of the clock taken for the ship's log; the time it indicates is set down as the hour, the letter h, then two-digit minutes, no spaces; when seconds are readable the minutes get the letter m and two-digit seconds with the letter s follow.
9h11
